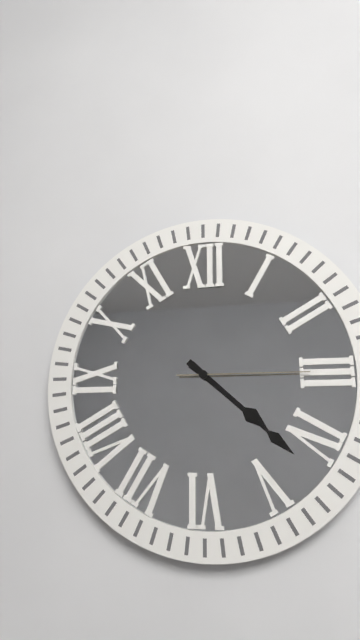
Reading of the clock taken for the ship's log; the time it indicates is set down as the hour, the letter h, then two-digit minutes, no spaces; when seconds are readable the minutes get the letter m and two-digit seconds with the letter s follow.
4h22m15s
